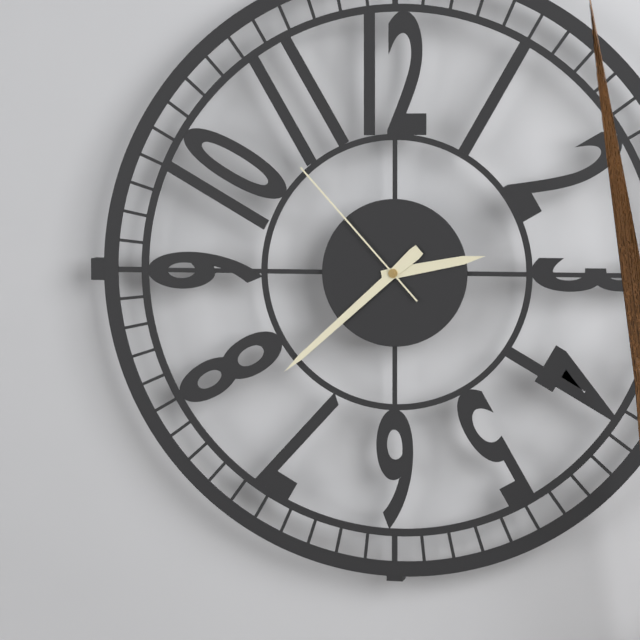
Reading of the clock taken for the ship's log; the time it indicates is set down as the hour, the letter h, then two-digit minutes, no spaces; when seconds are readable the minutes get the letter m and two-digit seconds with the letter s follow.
2h38m53s
